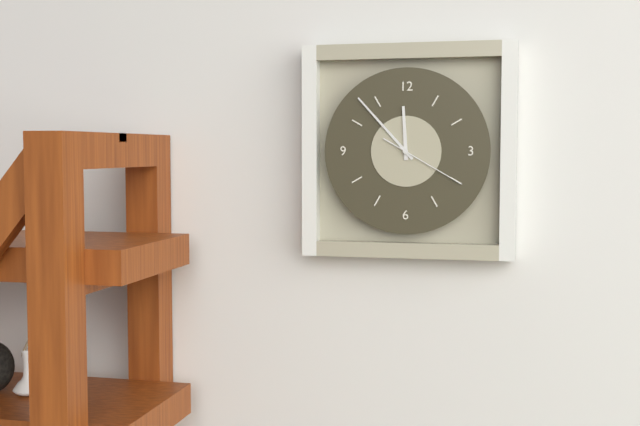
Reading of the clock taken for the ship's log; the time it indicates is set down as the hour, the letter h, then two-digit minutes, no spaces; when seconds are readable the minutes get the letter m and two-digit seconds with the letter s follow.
11h53m20s
